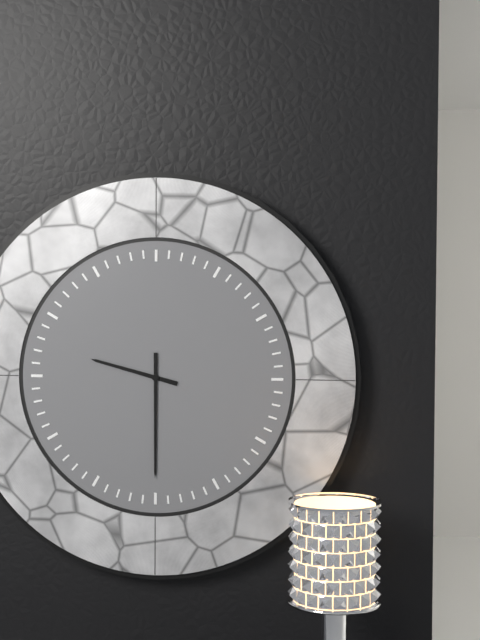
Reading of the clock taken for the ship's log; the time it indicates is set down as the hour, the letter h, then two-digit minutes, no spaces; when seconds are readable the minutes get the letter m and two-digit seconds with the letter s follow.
9h30
